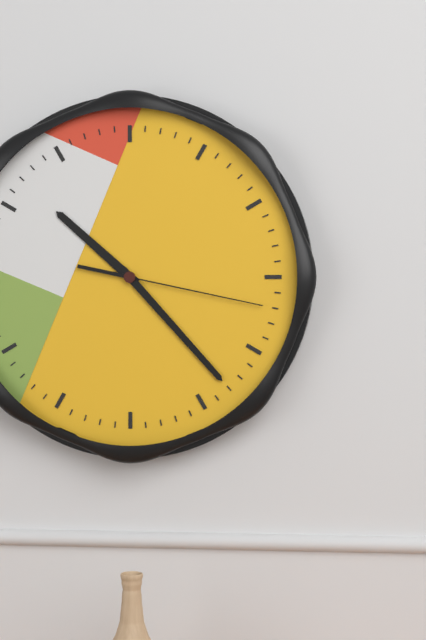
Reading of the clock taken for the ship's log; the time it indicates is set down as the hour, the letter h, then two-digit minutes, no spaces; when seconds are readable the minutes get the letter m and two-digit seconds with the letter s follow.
10h23m17s
